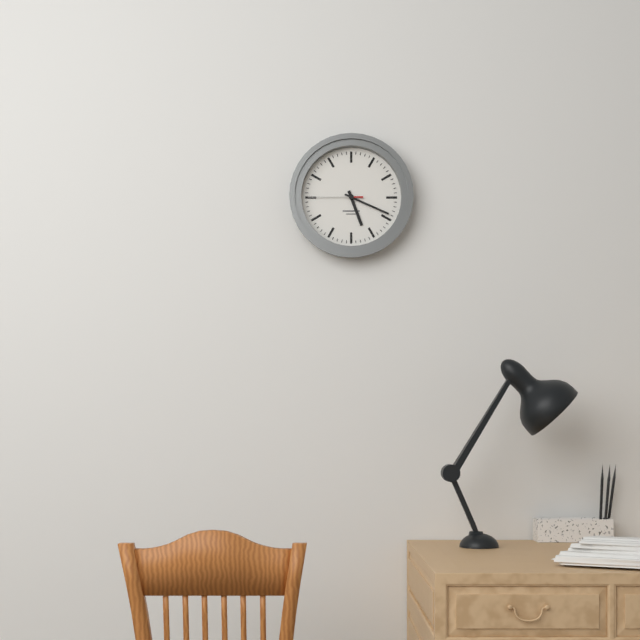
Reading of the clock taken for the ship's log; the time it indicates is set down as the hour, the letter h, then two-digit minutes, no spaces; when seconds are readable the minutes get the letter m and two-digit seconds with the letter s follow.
5h19m45s
